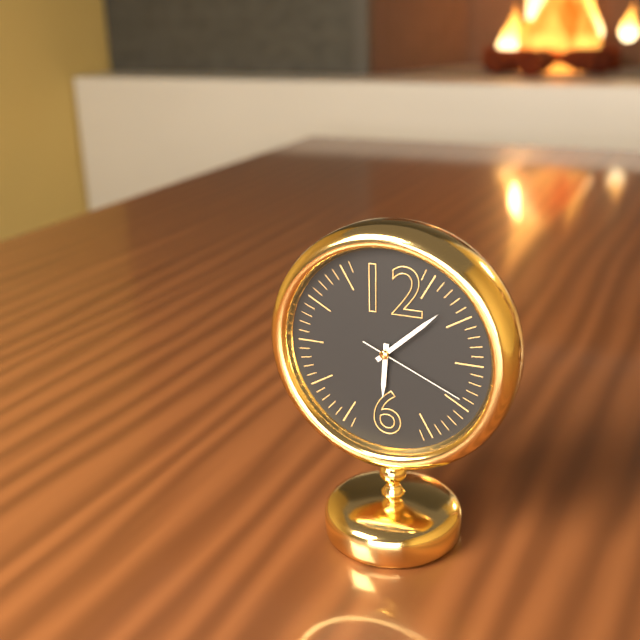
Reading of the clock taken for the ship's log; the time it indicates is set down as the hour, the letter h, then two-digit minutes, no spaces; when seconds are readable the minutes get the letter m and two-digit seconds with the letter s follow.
6h08m19s
